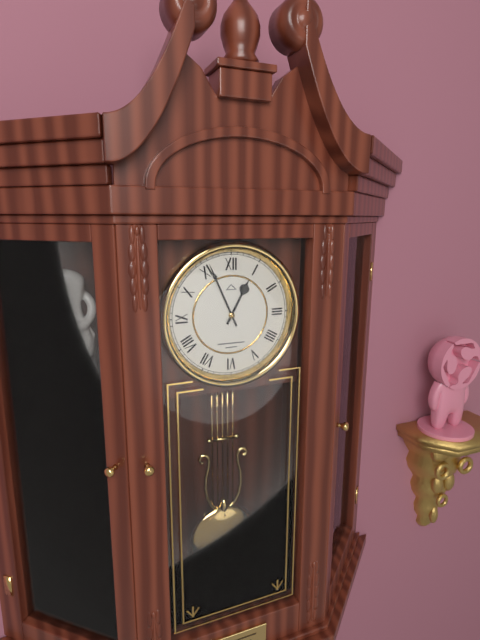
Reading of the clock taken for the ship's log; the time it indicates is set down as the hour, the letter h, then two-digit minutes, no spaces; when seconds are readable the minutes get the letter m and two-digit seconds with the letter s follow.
12h56
